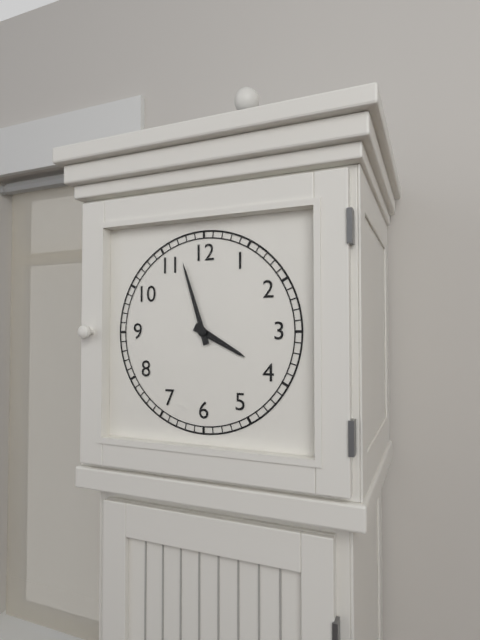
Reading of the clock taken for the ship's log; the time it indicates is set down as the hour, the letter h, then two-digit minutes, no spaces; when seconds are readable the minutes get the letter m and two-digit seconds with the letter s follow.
3h57
